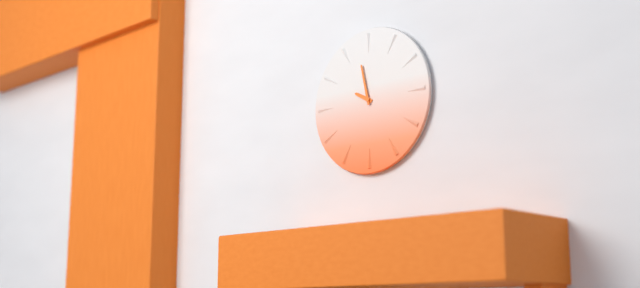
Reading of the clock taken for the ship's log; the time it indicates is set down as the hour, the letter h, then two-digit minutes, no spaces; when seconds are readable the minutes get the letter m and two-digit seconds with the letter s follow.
9h58
